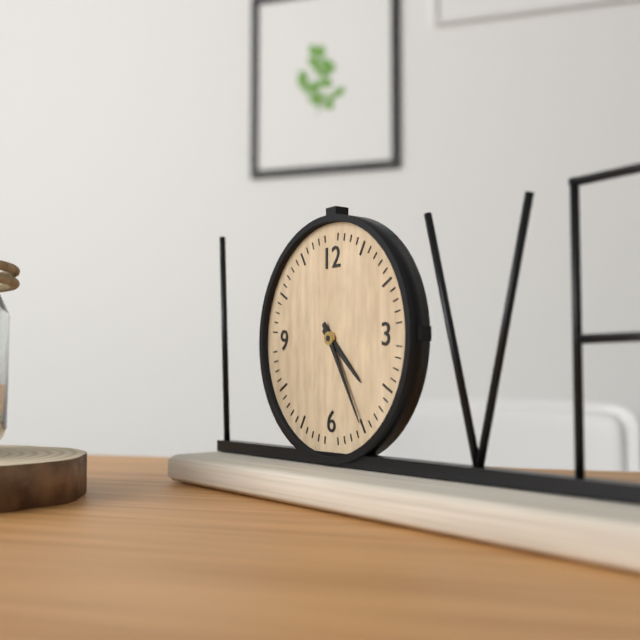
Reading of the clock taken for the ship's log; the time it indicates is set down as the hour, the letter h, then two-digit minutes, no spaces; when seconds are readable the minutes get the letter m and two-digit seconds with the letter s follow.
4h25
